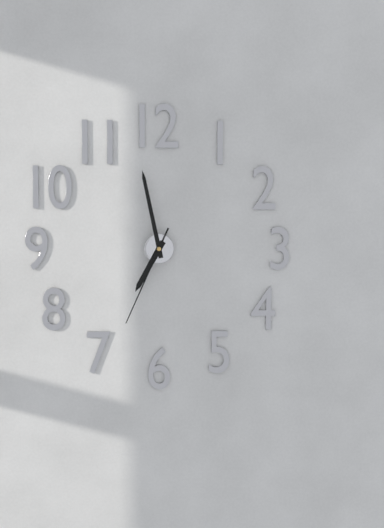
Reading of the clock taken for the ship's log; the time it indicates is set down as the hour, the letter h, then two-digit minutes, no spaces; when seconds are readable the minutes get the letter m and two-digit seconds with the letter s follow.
6h58m34s
